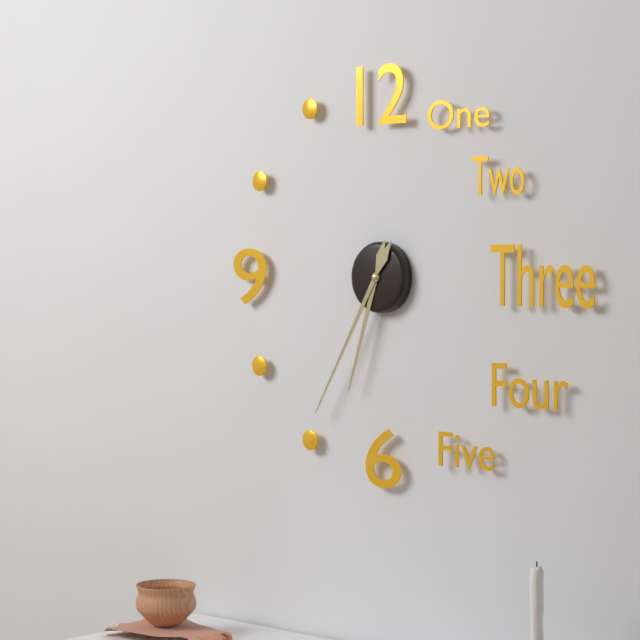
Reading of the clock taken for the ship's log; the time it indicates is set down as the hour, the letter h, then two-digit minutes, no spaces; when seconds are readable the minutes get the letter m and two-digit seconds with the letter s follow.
6h35
